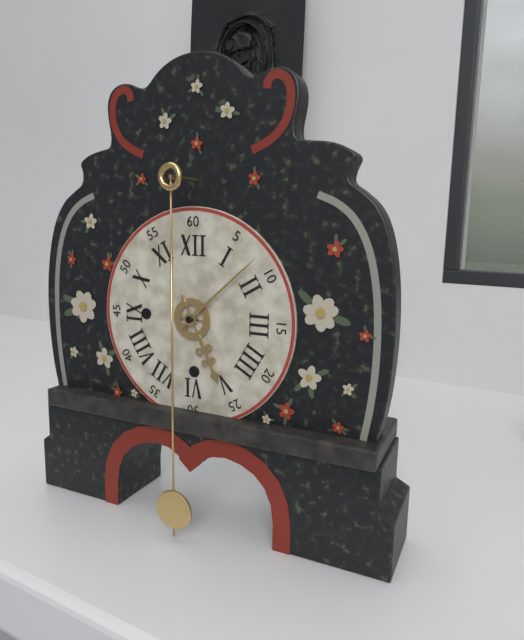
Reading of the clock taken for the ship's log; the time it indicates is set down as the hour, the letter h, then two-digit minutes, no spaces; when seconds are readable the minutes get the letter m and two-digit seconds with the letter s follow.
5h08
